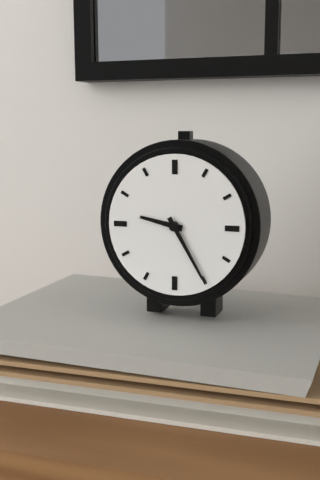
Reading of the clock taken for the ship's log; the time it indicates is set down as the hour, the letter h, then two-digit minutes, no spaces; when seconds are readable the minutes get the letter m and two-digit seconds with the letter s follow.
9h25
